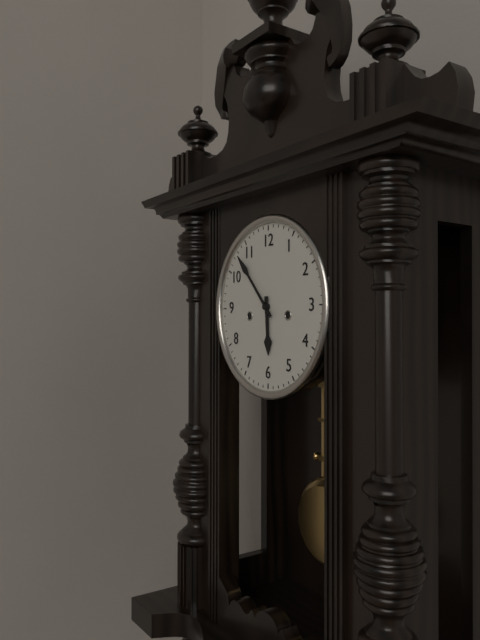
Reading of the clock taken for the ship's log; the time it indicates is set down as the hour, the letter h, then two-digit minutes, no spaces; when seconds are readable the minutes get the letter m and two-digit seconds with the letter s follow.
5h53
